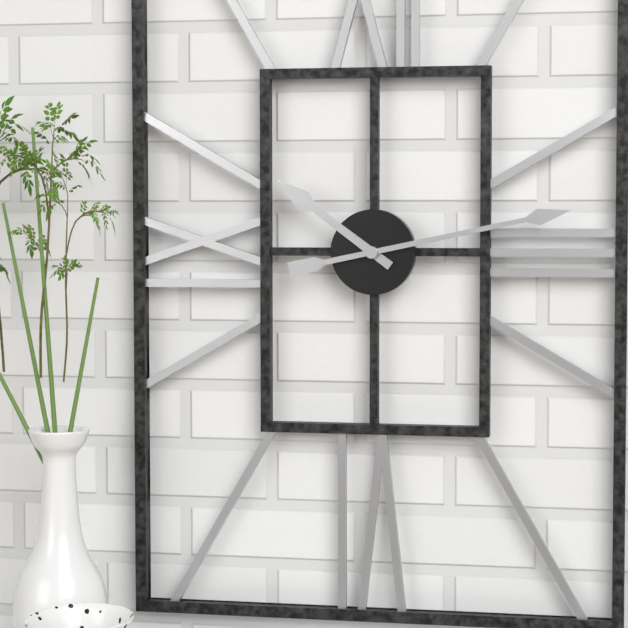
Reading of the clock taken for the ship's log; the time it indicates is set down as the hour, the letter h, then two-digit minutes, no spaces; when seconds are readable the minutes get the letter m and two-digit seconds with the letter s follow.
10h13
